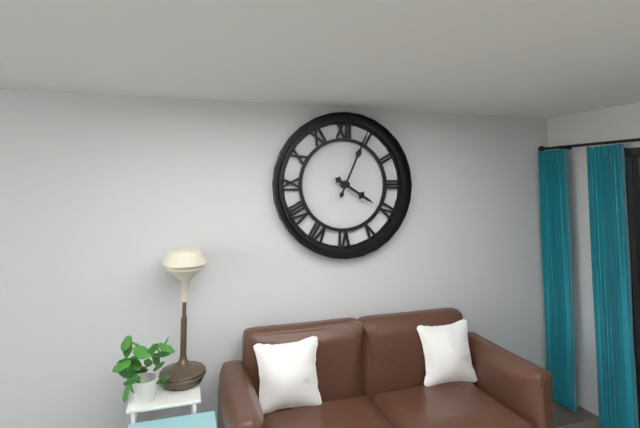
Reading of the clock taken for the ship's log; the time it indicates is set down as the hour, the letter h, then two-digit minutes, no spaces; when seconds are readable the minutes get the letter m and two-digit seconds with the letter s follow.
4h04
